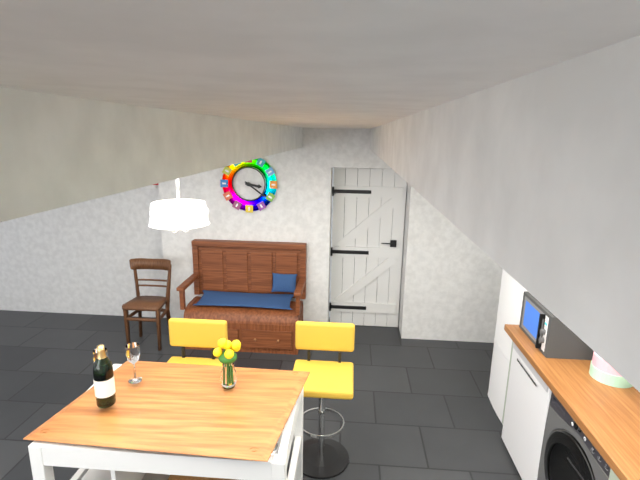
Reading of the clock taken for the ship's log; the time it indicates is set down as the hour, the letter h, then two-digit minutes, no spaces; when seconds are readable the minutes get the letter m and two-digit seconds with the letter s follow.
3h21
